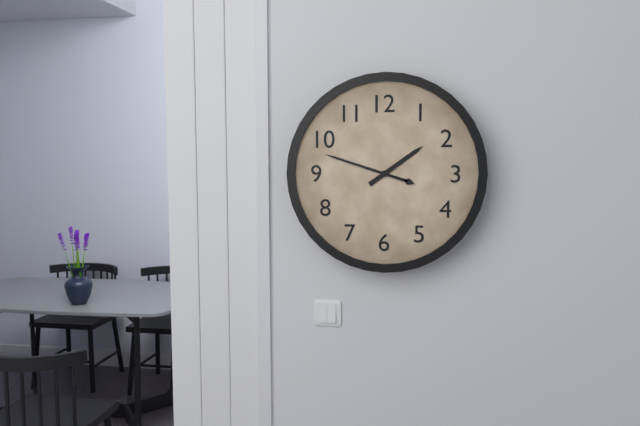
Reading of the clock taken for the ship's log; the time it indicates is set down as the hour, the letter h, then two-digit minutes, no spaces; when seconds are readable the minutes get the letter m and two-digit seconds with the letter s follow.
1h48
